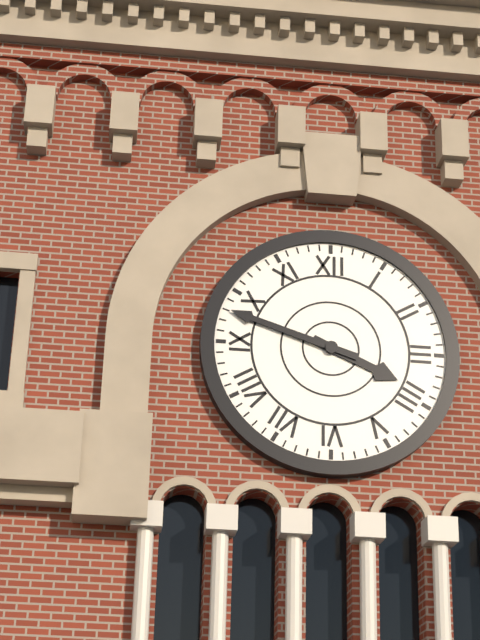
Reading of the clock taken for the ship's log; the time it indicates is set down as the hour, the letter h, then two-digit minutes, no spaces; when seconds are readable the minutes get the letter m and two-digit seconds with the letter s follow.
3h48
